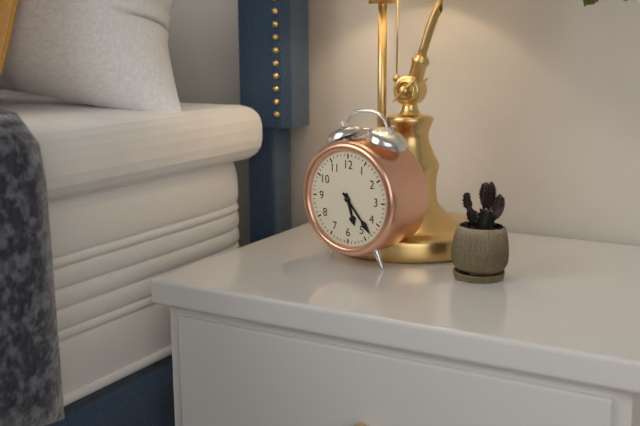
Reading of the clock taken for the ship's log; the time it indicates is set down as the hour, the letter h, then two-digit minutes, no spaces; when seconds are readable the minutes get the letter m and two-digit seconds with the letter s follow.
5h23
